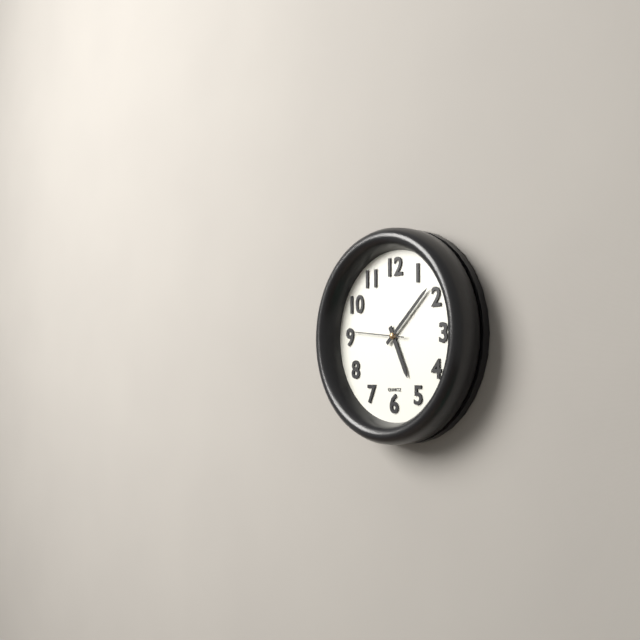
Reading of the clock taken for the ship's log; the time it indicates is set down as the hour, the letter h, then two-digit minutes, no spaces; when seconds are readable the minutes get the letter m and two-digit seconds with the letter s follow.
5h08m46s
